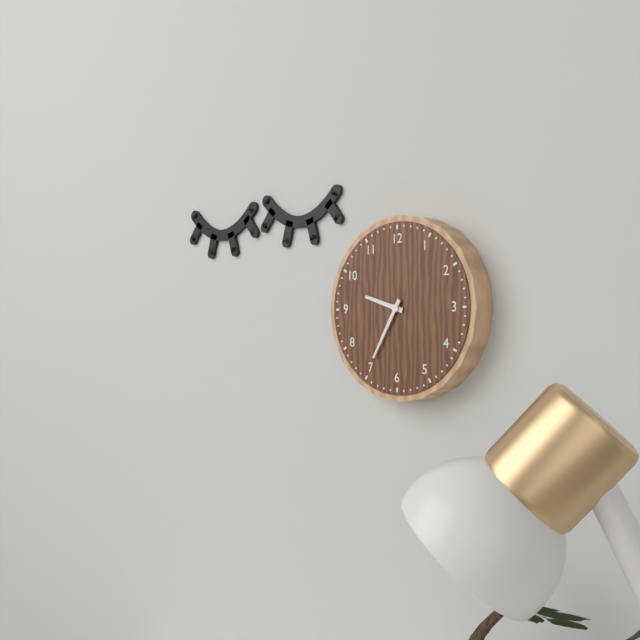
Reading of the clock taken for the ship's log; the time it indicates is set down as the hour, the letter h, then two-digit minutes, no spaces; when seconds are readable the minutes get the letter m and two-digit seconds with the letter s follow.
9h35
